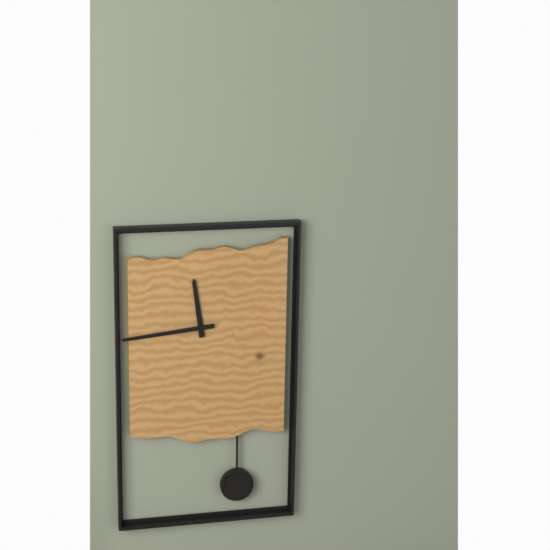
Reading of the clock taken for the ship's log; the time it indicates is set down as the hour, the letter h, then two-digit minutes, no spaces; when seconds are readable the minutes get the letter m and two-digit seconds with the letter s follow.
11h44
